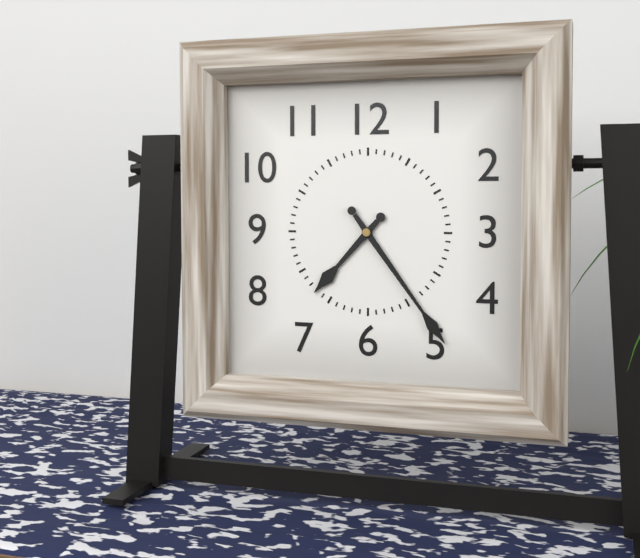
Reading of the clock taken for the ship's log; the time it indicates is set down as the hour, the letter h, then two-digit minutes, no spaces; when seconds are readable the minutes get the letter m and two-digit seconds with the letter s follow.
7h24
